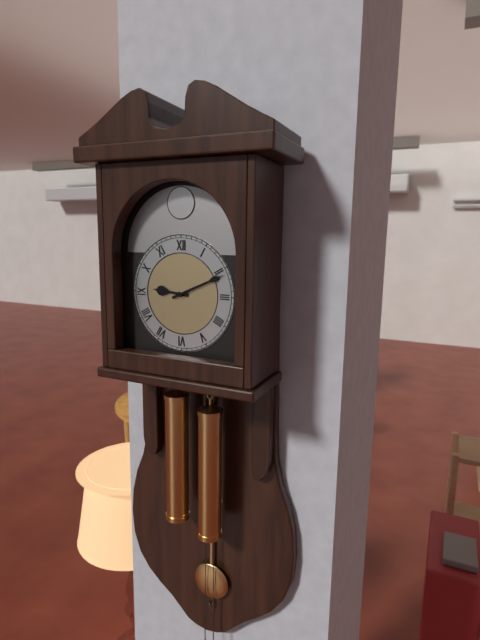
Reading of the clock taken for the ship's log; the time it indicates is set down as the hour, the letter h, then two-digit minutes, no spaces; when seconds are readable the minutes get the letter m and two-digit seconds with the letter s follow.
9h11
